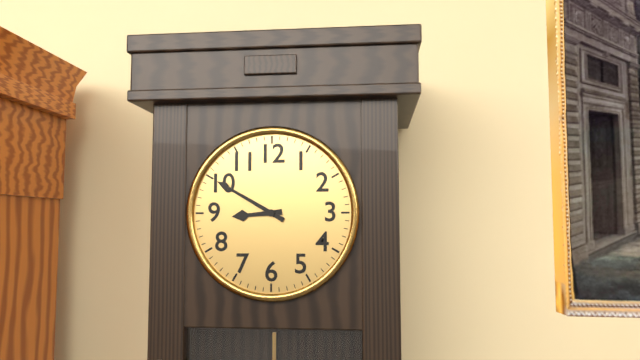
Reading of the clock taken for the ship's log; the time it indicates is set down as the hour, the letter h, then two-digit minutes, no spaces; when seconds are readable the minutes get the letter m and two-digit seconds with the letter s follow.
8h50
